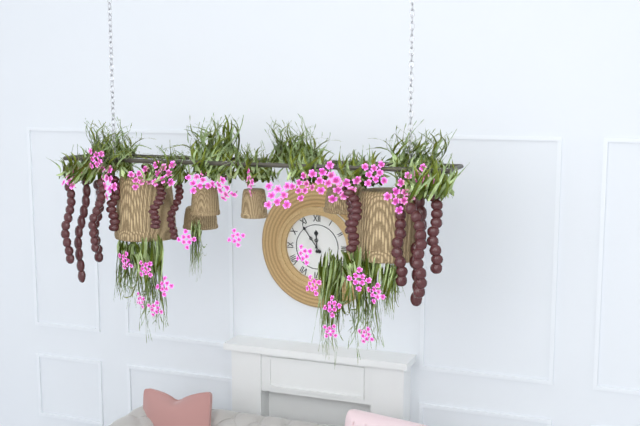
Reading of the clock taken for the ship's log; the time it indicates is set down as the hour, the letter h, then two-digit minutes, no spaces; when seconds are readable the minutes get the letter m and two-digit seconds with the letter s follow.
11h54
